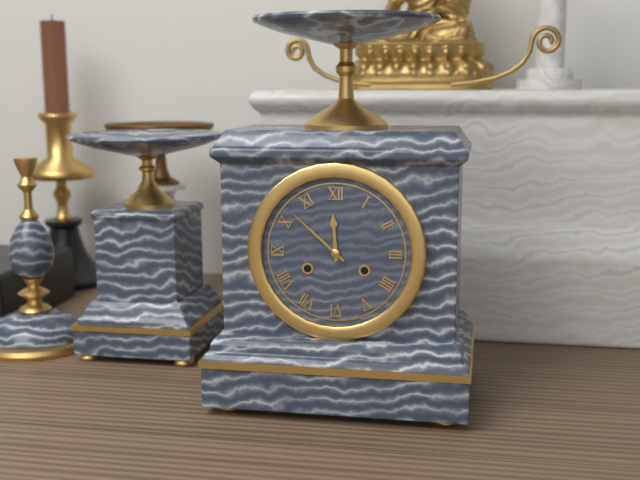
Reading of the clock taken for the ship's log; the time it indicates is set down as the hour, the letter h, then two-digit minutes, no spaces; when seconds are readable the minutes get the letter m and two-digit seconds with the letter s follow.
11h52
